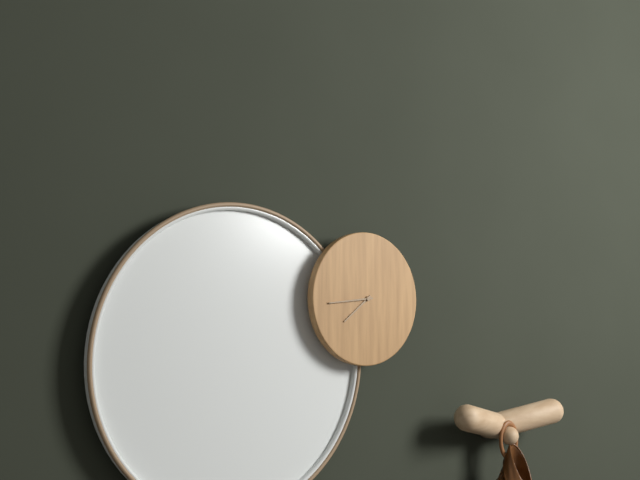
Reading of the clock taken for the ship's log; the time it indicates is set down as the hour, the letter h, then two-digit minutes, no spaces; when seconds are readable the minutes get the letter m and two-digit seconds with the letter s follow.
7h44
